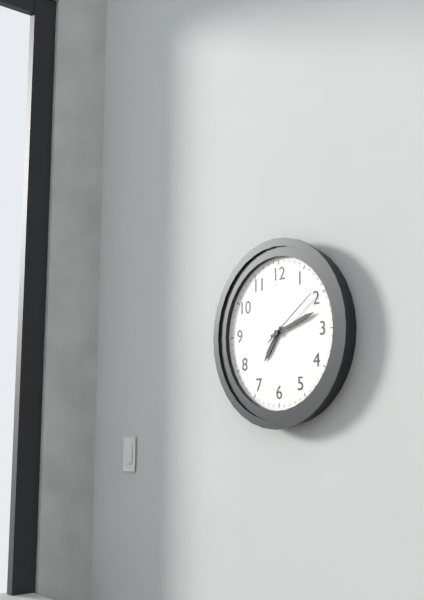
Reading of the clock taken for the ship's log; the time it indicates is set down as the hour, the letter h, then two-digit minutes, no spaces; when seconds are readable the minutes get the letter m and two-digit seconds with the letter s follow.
7h12m09s
